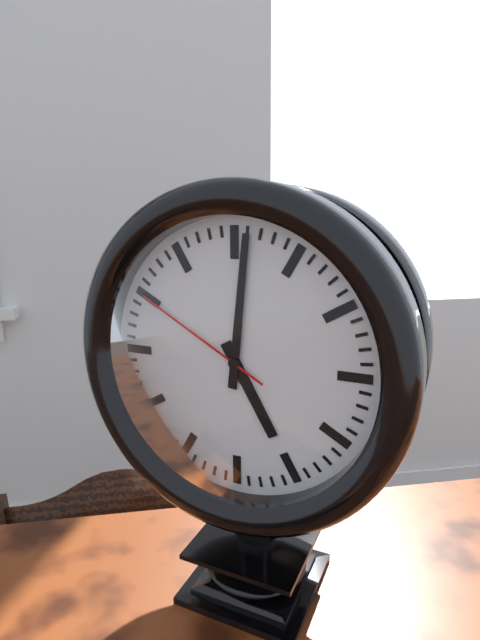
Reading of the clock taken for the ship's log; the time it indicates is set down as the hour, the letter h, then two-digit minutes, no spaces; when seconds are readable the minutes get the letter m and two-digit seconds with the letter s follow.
5h01m50s
